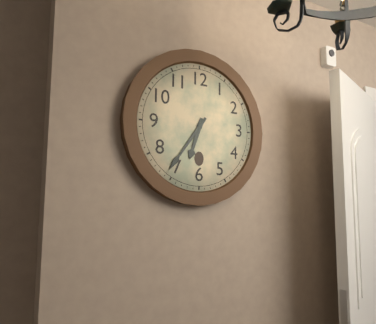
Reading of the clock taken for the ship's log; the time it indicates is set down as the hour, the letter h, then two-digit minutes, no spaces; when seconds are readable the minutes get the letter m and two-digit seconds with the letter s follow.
6h36
